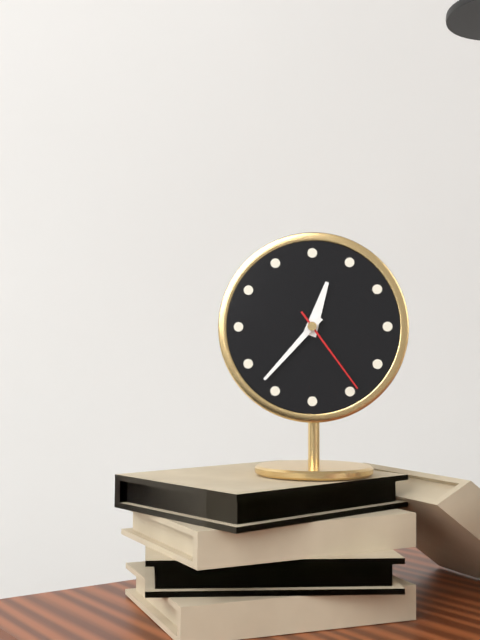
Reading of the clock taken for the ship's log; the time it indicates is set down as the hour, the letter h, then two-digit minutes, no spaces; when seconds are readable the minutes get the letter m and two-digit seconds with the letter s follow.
12h37m24s
